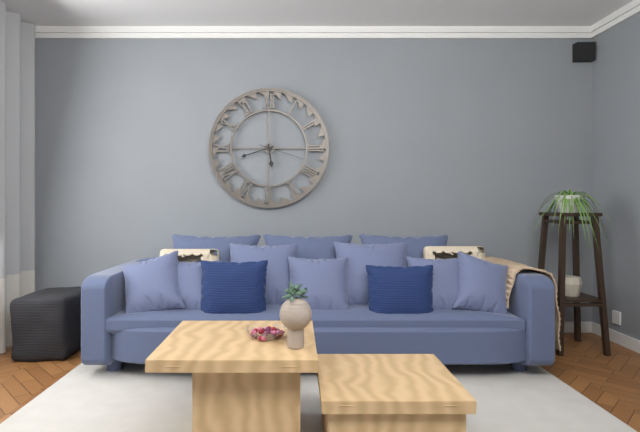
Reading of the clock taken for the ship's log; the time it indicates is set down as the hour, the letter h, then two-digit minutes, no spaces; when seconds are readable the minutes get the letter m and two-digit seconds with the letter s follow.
5h42
